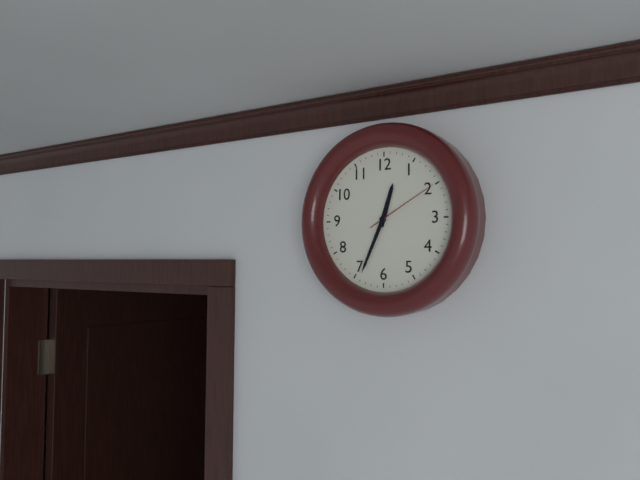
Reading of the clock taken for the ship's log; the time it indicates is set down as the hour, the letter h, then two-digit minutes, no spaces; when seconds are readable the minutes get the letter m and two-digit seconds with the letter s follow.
12h34m10s
